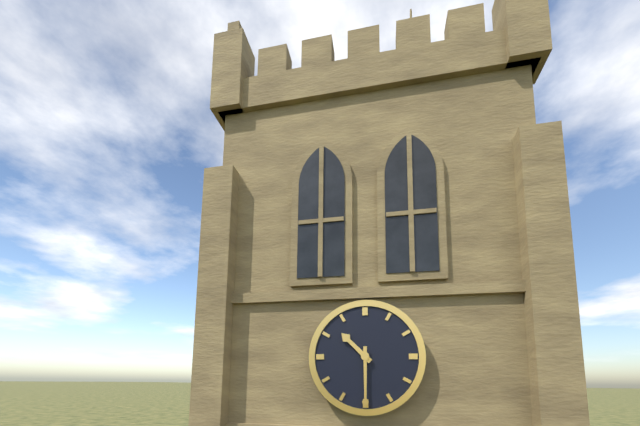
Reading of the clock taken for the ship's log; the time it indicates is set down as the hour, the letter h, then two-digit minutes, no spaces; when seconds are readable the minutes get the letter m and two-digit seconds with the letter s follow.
10h30
